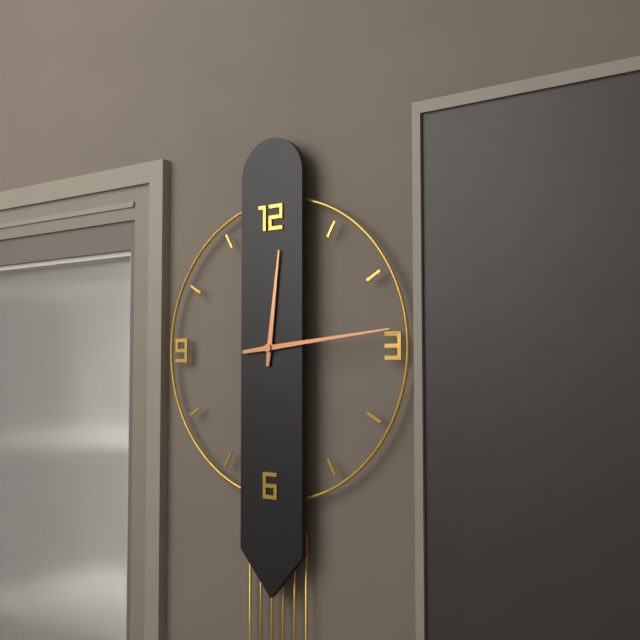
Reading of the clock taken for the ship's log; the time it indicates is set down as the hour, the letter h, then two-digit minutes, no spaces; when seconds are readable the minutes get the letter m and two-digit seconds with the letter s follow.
12h14
